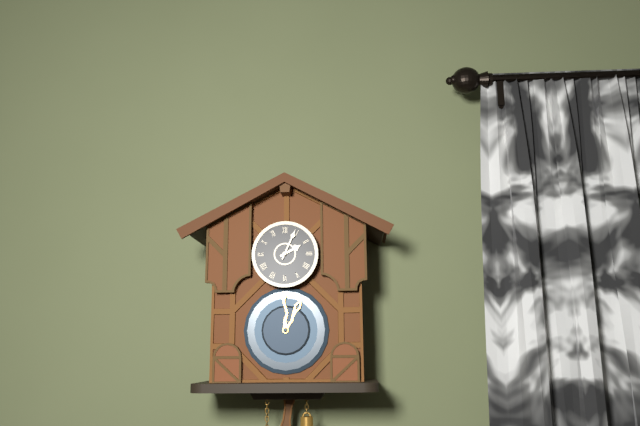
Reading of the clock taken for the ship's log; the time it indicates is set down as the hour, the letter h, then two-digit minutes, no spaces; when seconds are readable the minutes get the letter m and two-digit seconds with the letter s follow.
2h04
